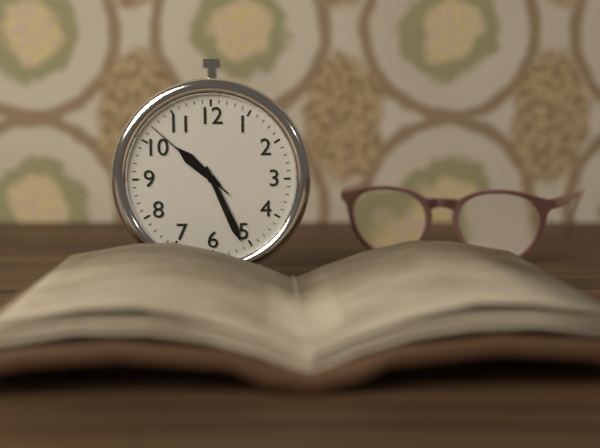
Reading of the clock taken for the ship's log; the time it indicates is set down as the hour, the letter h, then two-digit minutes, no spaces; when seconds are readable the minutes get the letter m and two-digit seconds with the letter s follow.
10h26m52s
